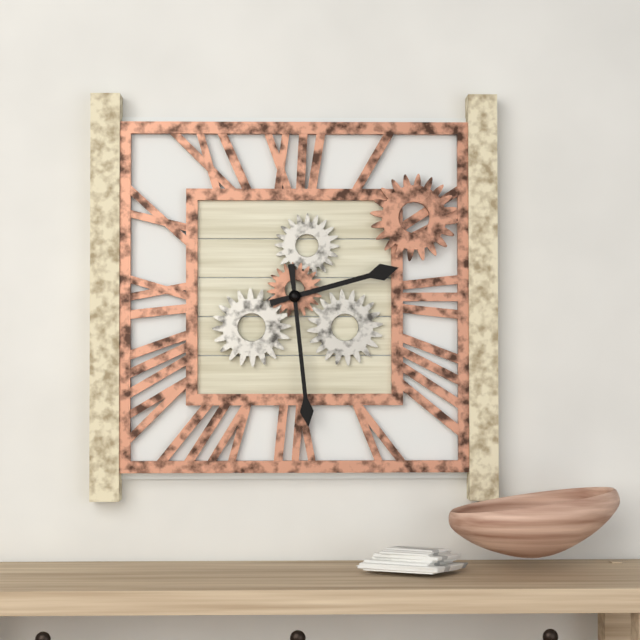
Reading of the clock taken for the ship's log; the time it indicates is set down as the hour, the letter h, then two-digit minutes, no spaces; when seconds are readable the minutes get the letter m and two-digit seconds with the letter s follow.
2h29
